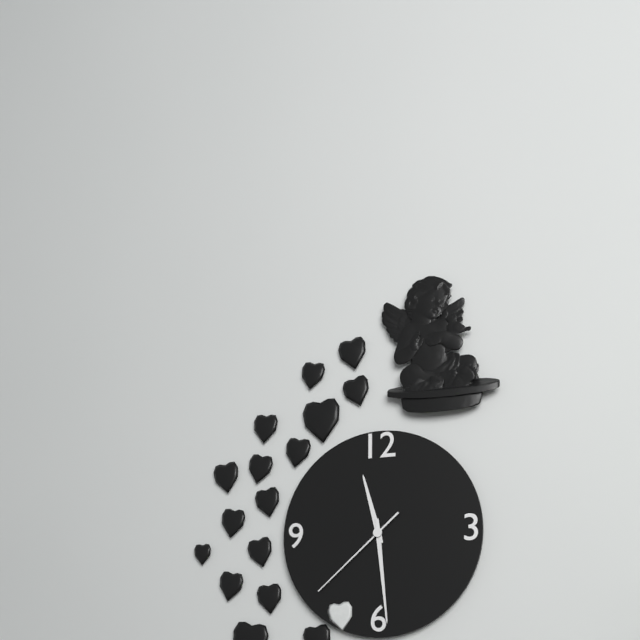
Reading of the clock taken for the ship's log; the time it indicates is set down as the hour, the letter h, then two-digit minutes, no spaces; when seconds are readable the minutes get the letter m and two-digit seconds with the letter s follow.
11h29m38s
